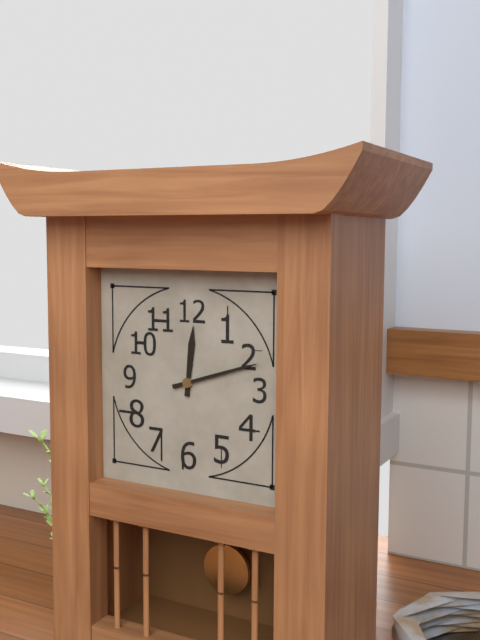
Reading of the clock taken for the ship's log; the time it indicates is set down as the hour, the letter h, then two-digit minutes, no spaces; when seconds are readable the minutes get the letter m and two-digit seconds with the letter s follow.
12h12
